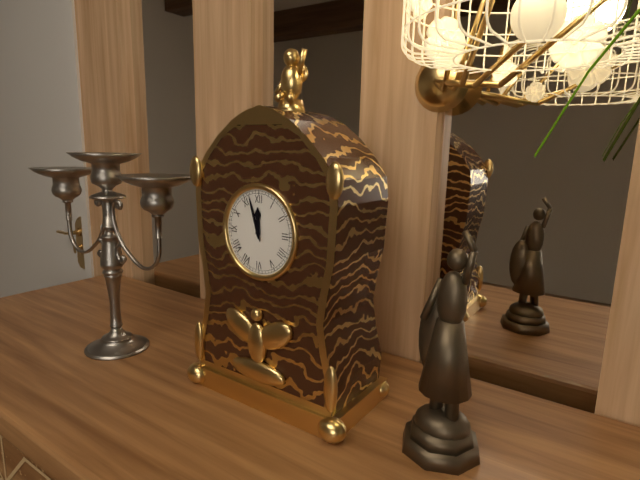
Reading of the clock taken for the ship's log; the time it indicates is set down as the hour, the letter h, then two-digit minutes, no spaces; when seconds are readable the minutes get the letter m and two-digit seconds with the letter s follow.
11h57
